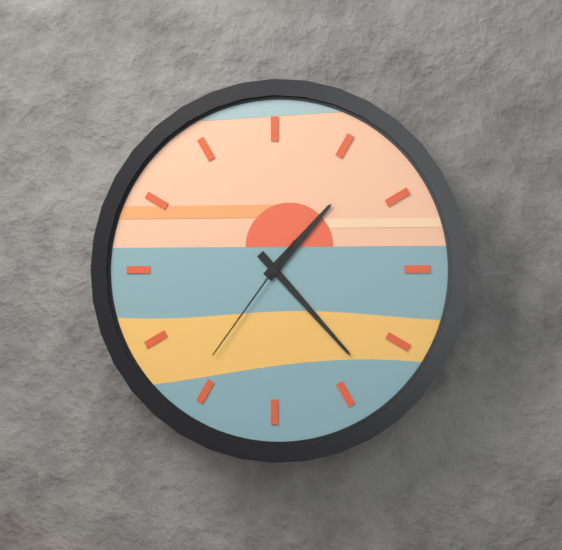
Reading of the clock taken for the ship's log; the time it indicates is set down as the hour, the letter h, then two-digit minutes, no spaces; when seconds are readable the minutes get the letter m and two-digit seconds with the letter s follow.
1h23m36s
